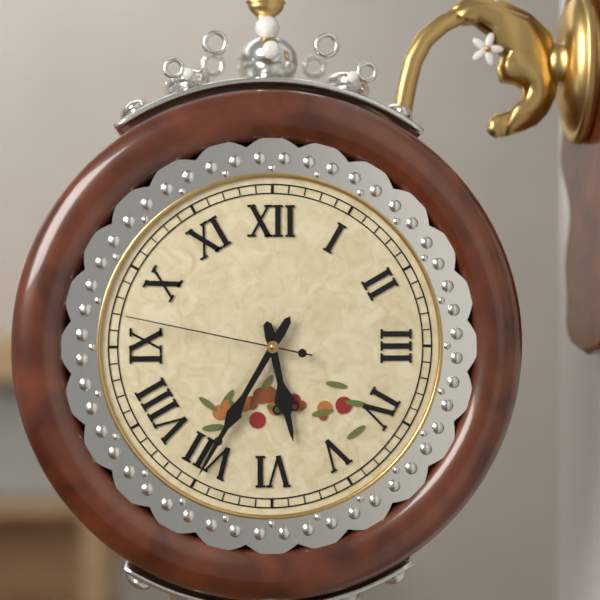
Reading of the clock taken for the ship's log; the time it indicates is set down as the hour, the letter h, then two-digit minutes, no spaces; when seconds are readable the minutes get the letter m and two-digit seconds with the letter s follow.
5h35m47s
